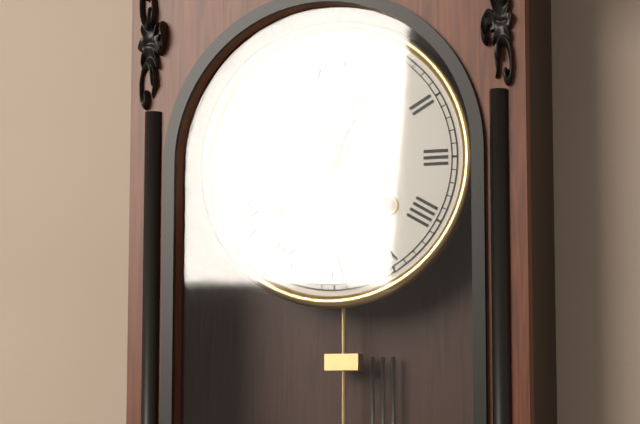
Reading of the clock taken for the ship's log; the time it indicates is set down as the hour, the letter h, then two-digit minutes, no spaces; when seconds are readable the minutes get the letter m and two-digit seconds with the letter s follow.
12h58
